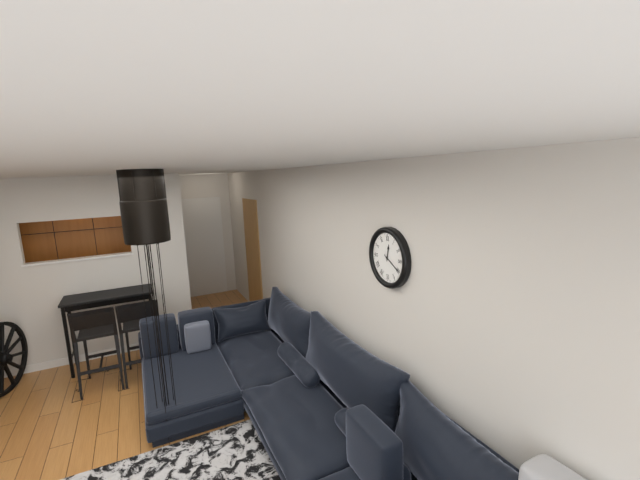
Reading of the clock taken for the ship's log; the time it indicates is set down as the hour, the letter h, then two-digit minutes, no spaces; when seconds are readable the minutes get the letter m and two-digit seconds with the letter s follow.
12h20
